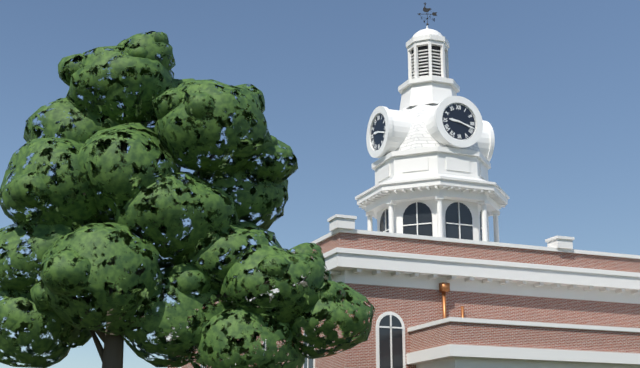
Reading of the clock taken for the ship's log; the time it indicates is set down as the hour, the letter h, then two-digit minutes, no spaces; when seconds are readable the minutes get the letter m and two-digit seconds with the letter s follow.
9h18
